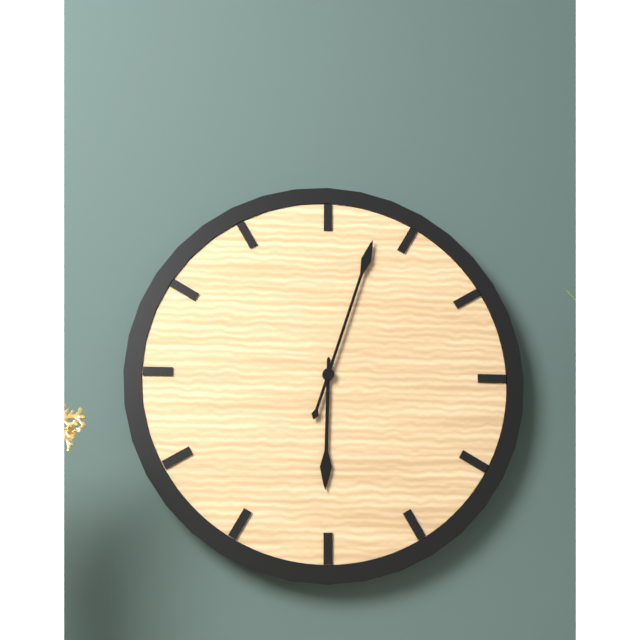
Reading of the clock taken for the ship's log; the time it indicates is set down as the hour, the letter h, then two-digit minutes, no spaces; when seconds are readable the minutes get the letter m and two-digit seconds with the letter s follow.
6h03
